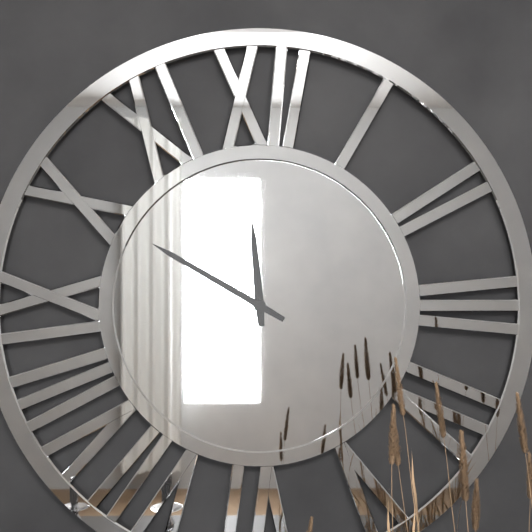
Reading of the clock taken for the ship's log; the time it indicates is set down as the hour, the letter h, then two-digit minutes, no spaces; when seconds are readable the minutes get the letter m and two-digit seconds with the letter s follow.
11h50
